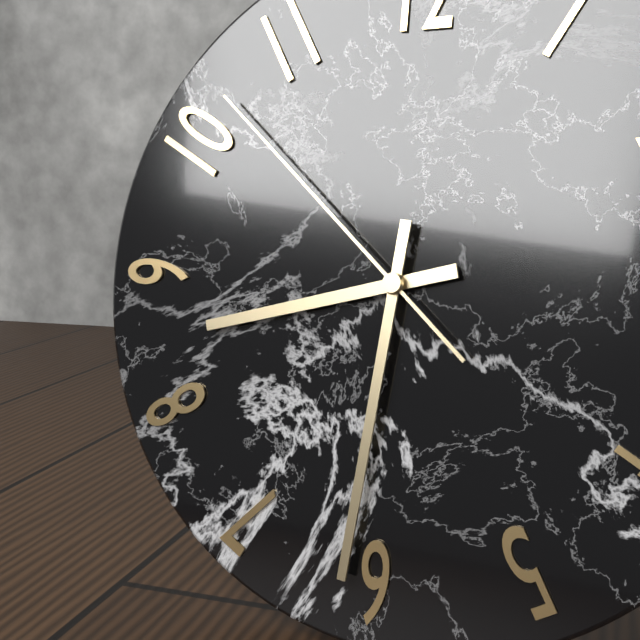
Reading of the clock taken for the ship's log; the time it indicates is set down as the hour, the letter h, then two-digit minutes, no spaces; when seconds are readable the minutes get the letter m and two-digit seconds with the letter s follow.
8h31m52s
